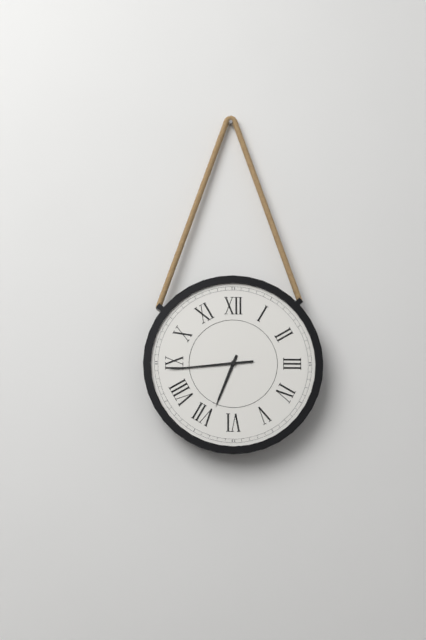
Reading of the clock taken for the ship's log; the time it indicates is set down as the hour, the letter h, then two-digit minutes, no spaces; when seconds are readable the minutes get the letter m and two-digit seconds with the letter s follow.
6h44
